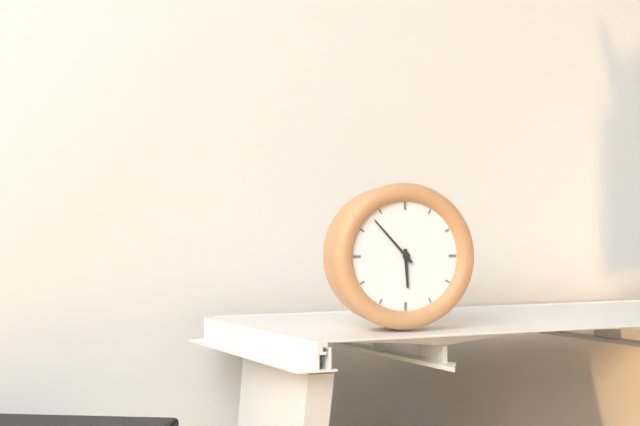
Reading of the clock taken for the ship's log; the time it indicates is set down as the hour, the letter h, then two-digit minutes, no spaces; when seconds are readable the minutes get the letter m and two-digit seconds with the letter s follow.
5h53
